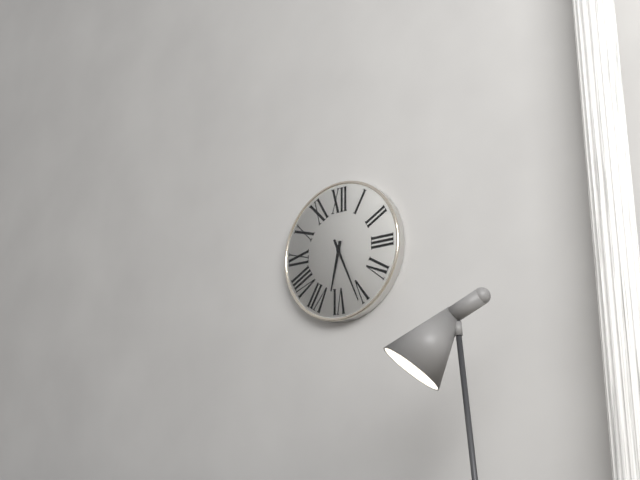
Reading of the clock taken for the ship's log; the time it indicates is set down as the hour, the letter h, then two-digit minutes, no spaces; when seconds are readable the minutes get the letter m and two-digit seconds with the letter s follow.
6h26
